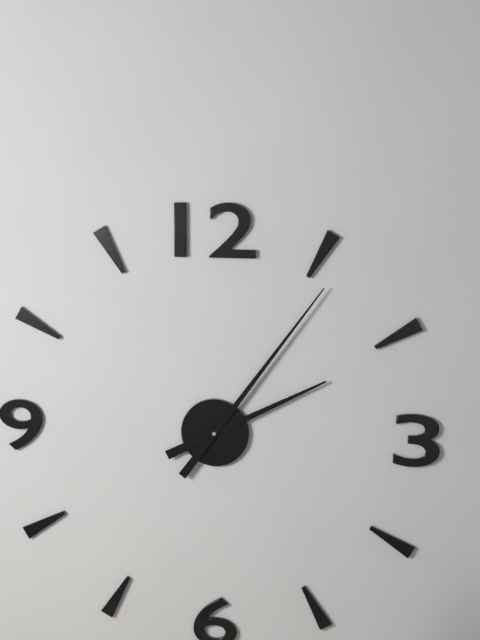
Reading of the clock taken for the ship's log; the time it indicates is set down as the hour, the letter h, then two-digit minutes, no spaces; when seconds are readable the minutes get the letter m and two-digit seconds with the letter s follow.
2h06
